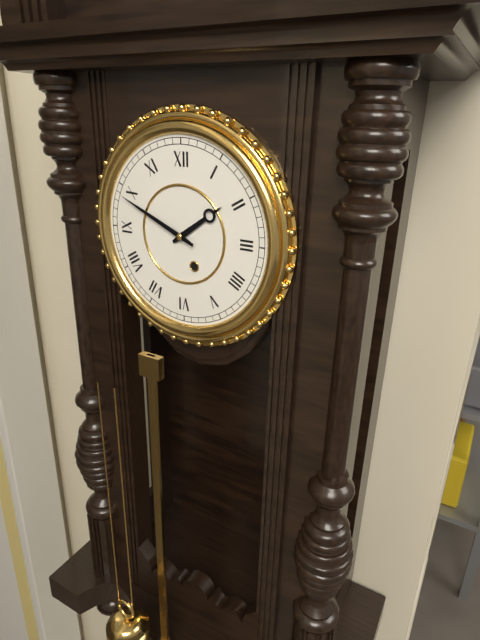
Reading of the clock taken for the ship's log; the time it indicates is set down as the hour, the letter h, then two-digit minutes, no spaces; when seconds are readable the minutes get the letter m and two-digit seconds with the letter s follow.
1h49
